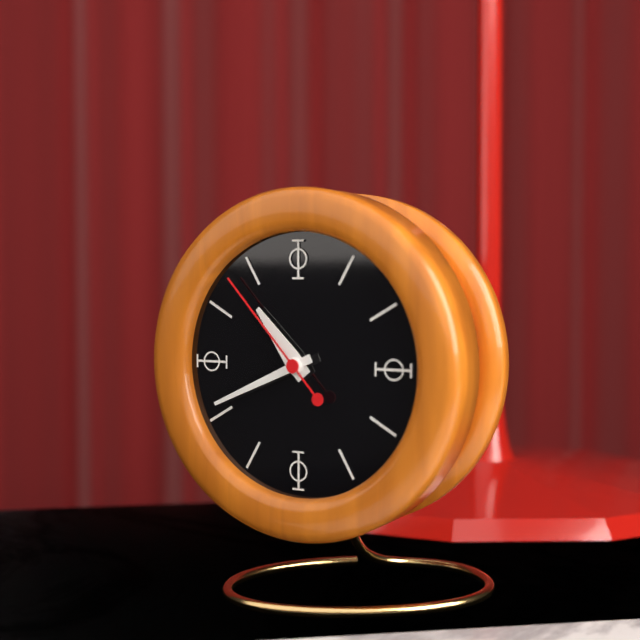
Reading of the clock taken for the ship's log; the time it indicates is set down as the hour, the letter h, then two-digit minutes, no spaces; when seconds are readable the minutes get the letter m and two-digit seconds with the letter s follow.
10h41m53s
